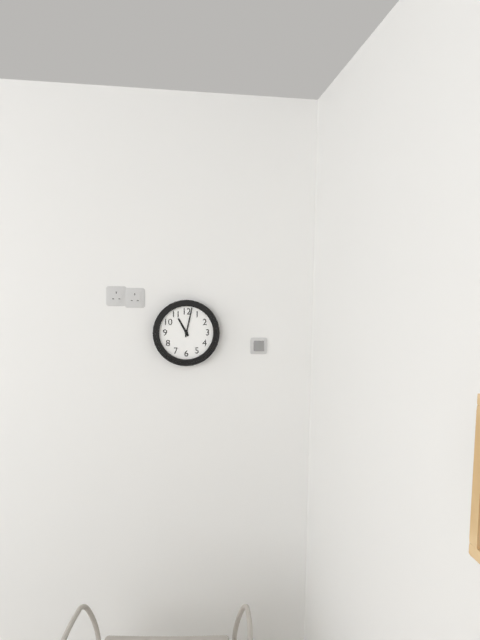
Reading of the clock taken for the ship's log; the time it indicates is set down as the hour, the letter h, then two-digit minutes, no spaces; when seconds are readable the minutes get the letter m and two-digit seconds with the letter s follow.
11h02
